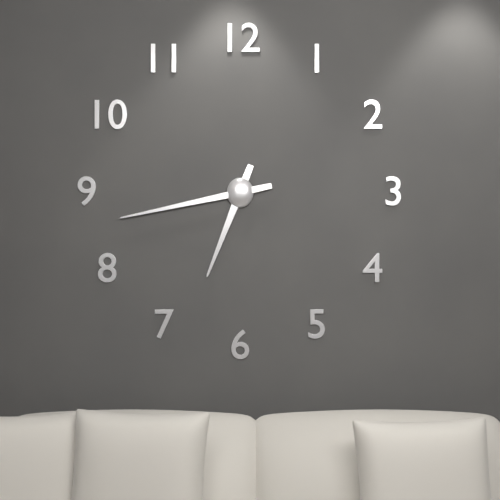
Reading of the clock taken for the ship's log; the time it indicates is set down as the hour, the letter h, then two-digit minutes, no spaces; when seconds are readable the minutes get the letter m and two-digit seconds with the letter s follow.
6h43
